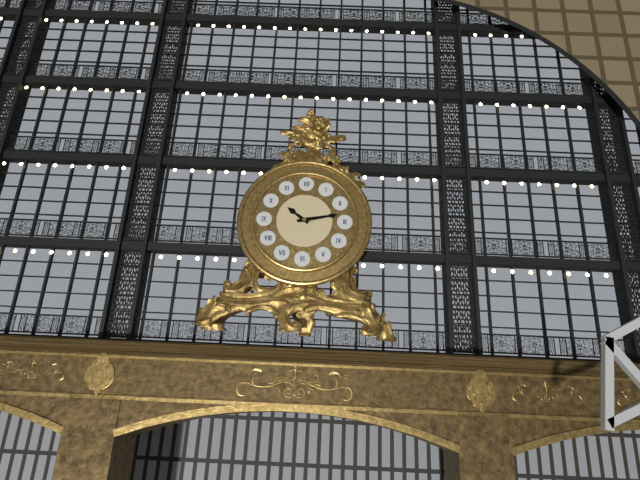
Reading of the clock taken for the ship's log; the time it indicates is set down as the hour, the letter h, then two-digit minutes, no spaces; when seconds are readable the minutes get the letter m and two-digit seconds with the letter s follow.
10h13
